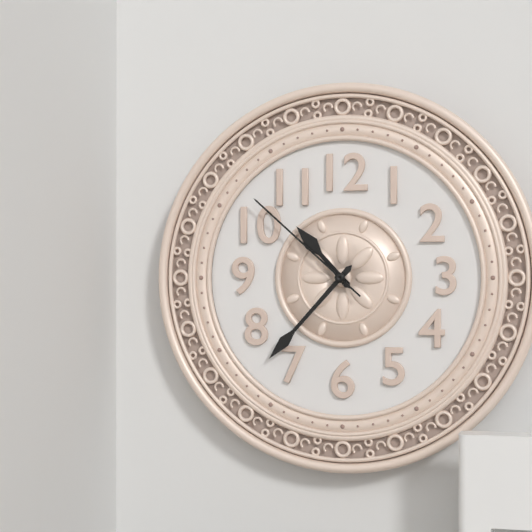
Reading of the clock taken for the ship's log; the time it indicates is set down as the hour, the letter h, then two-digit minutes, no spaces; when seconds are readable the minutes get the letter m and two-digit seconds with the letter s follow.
10h37m52s
